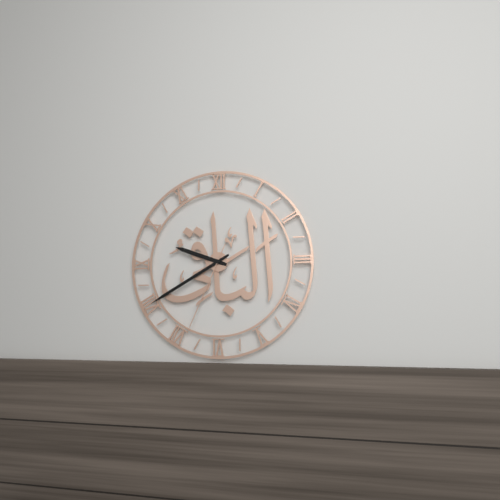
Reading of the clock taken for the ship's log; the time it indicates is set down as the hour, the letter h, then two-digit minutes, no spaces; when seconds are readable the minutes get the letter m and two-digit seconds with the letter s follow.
9h40m34s
